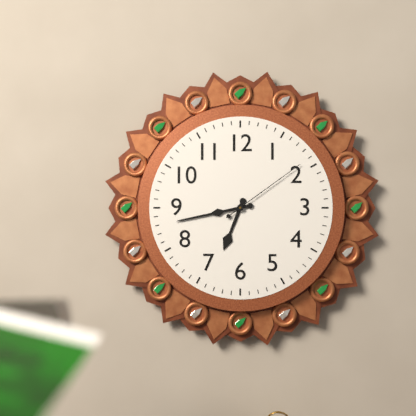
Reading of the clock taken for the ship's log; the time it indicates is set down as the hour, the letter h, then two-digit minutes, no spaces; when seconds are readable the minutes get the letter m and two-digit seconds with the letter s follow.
6h43m09s
